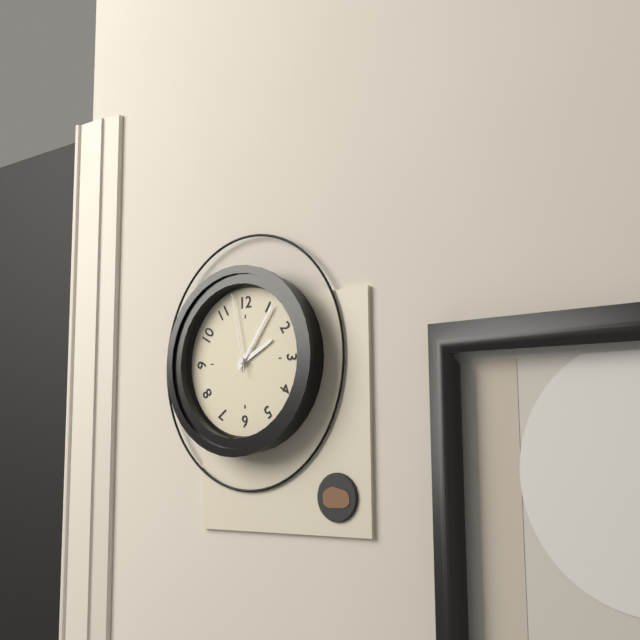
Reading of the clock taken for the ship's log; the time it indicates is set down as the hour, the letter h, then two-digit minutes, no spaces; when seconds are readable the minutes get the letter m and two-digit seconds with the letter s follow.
2h06m58s
